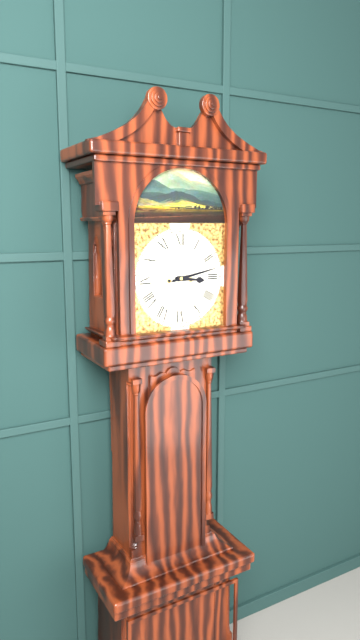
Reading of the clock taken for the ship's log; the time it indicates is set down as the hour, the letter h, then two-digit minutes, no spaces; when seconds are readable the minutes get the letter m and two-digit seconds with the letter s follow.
3h13
